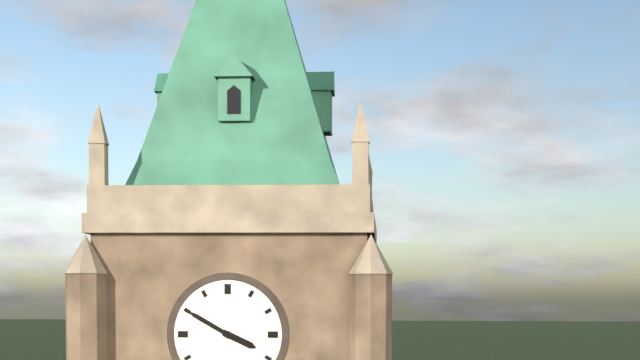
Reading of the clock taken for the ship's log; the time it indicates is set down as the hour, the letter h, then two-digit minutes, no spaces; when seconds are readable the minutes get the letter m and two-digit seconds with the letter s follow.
3h50
